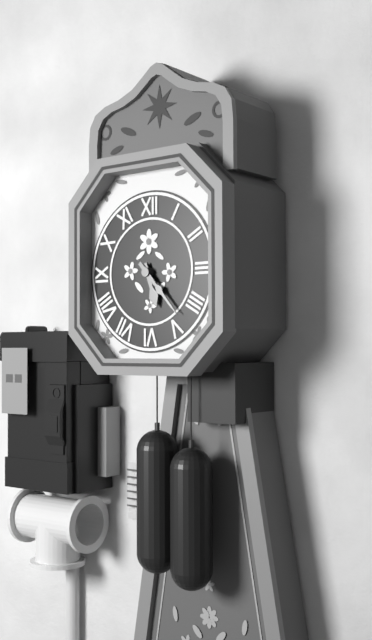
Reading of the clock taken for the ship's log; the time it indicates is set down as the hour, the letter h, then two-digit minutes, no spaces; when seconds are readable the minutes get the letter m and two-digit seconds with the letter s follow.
5h23
